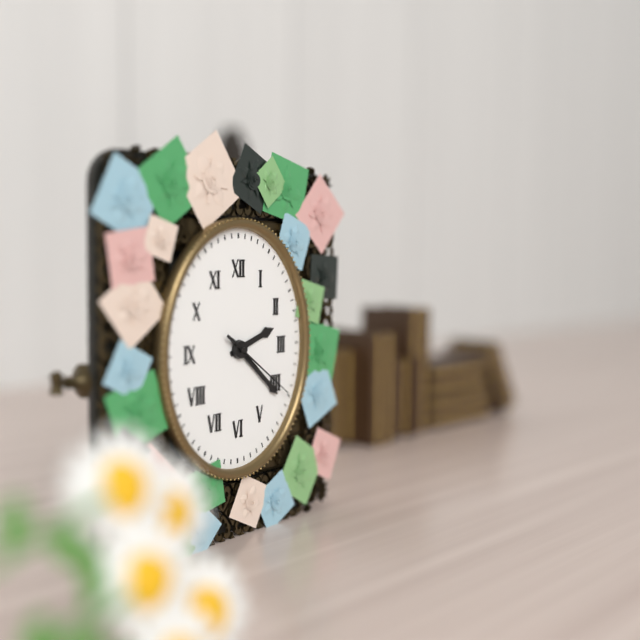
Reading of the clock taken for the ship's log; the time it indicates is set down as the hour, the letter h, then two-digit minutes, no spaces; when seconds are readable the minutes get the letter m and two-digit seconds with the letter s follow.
2h22m21s
